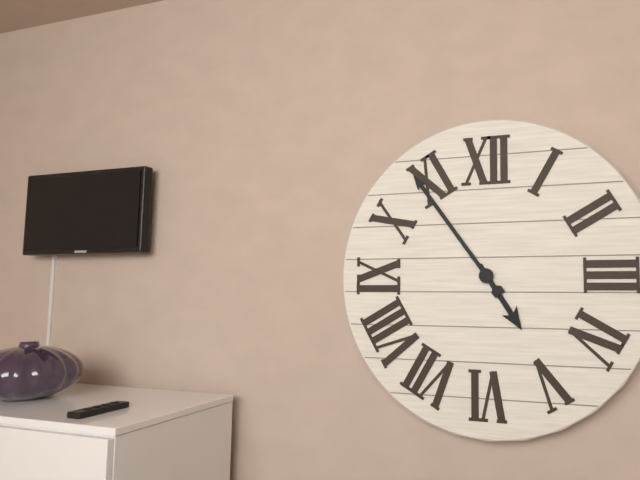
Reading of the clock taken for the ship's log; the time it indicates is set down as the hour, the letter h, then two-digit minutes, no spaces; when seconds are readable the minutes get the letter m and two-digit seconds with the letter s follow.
4h54
